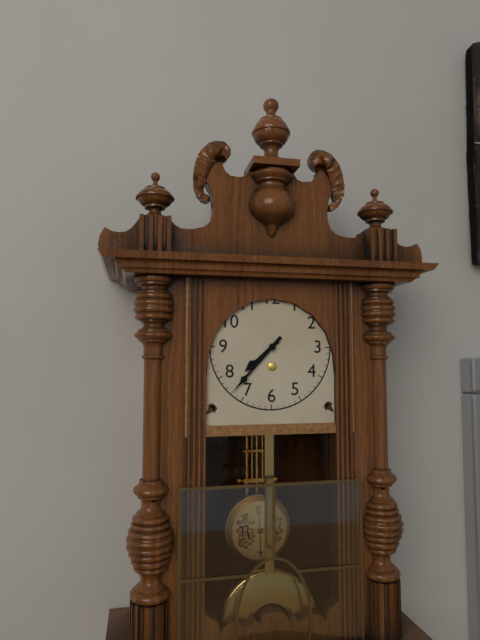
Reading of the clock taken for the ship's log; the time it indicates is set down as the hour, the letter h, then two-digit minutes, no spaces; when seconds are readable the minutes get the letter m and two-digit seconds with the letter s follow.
7h37
